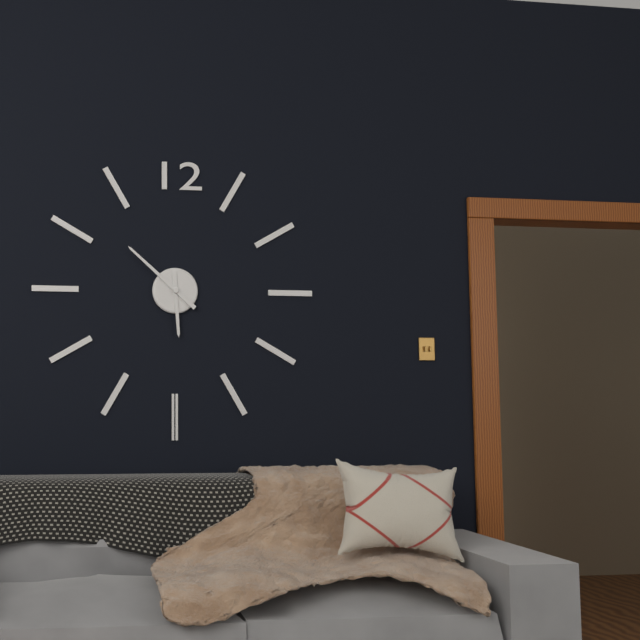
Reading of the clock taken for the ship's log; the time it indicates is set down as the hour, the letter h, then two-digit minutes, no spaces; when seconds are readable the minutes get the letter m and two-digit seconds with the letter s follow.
5h52
